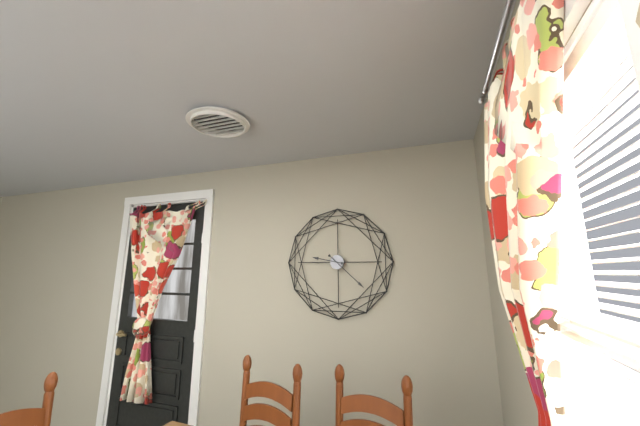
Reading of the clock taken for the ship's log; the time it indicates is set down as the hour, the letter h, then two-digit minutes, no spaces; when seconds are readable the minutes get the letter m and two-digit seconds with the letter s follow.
9h22
